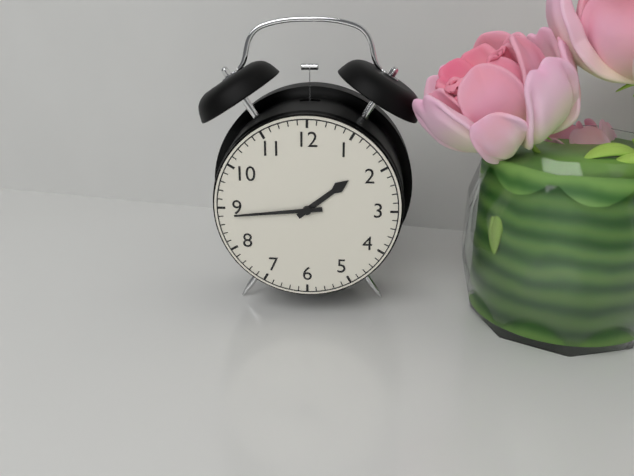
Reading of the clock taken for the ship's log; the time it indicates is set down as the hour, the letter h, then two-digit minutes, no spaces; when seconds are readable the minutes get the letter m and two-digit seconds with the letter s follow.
1h44
